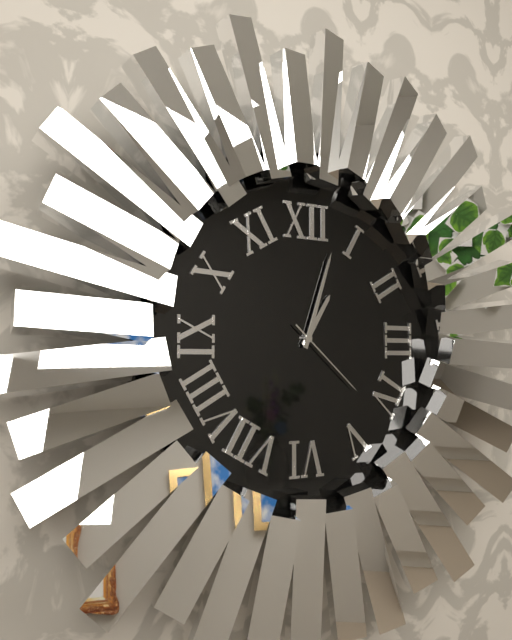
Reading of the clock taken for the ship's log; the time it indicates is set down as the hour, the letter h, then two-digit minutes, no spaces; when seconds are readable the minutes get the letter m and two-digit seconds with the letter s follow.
1h03m22s
